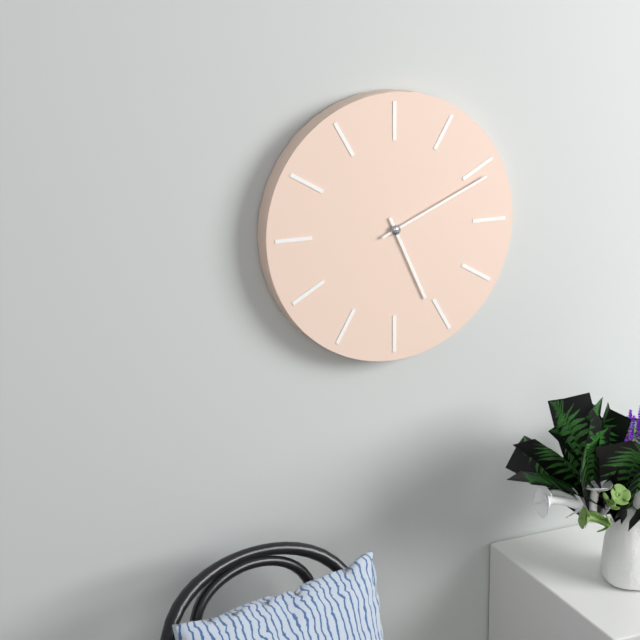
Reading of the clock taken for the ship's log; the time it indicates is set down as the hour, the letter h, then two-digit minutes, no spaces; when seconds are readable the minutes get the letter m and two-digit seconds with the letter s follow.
5h11
